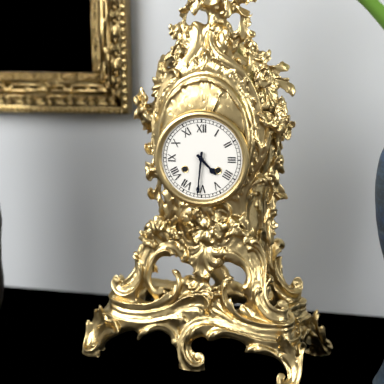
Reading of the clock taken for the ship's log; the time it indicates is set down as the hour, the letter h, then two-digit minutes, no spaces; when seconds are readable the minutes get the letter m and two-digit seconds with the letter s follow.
4h31
